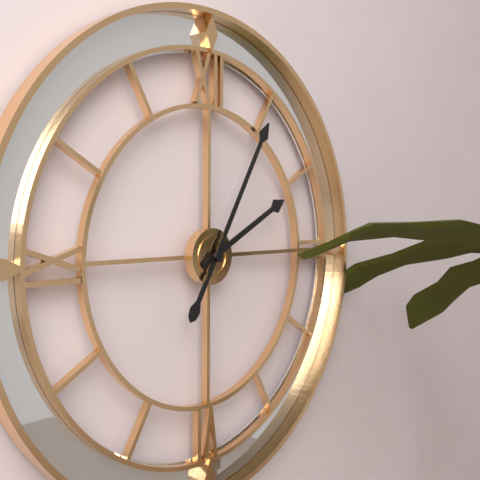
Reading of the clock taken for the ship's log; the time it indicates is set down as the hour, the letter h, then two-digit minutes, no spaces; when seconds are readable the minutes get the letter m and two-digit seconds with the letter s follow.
2h05
